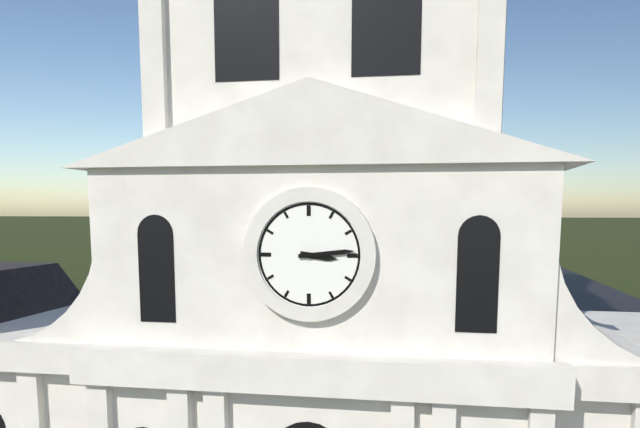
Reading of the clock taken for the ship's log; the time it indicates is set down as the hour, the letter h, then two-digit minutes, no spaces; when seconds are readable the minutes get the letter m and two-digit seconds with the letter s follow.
3h14
